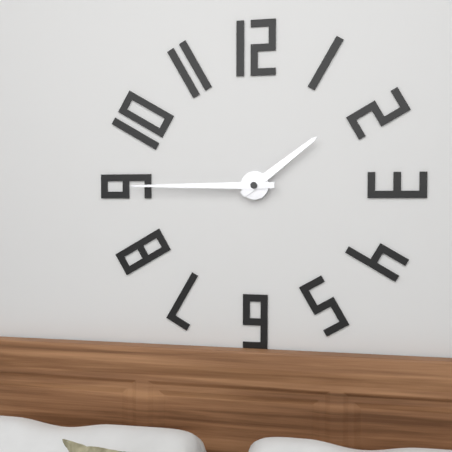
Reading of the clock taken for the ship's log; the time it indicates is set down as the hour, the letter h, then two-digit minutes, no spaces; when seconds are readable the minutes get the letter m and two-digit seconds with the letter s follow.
1h45
